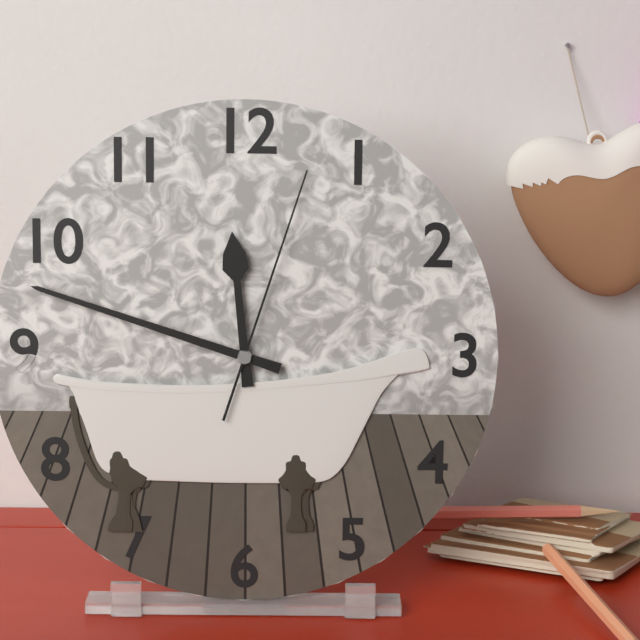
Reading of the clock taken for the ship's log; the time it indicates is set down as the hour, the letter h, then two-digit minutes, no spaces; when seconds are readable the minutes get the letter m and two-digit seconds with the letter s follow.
11h48m03s
